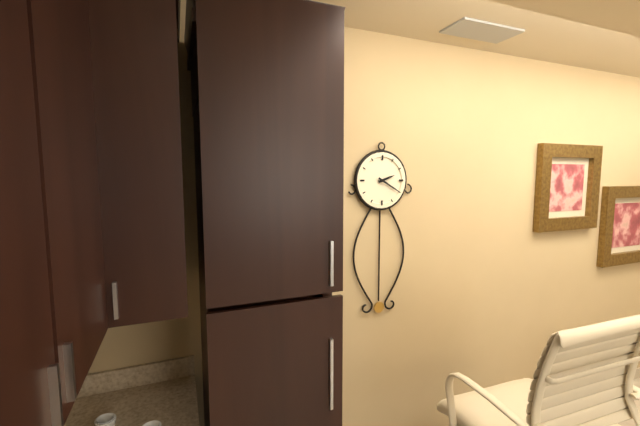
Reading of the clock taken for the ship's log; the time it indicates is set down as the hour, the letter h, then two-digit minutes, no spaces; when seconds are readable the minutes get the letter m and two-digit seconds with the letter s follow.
2h20
